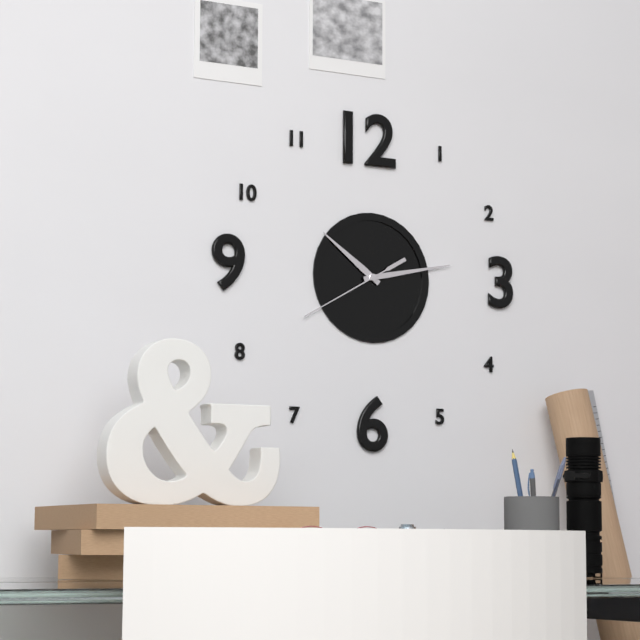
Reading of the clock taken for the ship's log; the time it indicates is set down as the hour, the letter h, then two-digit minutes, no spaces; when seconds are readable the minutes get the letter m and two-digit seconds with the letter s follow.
10h13m40s
